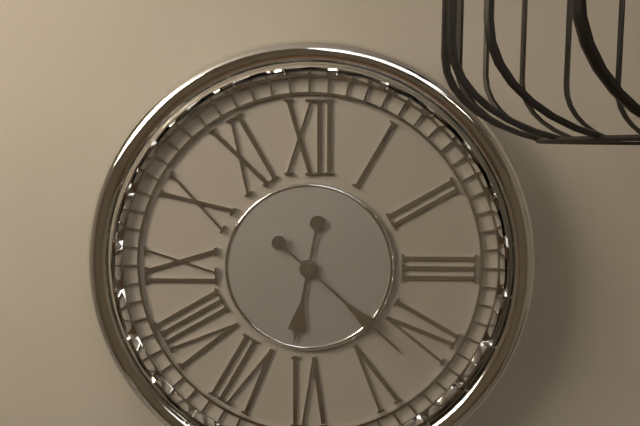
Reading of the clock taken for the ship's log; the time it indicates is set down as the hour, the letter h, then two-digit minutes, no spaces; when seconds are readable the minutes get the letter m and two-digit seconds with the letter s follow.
6h22
